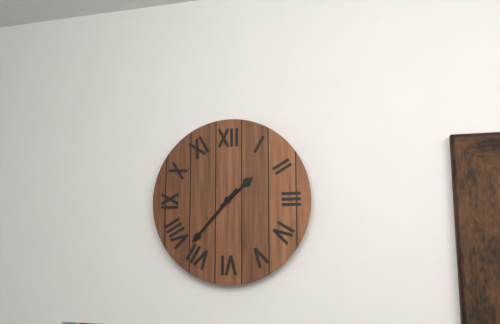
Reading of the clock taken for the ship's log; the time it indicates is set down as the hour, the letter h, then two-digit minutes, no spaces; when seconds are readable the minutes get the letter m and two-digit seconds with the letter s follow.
1h37
